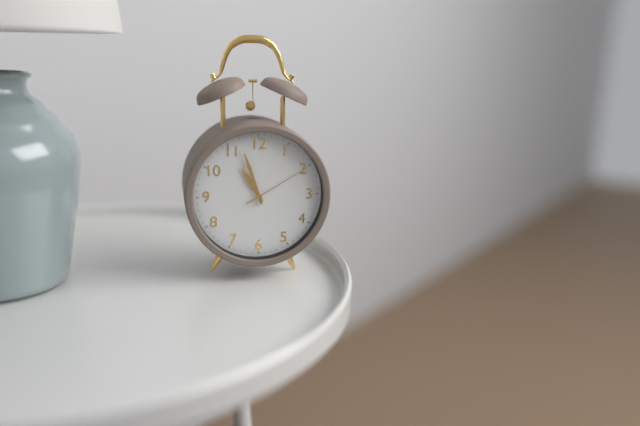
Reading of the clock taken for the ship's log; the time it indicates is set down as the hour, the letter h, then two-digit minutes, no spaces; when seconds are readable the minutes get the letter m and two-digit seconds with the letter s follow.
10h57m10s
